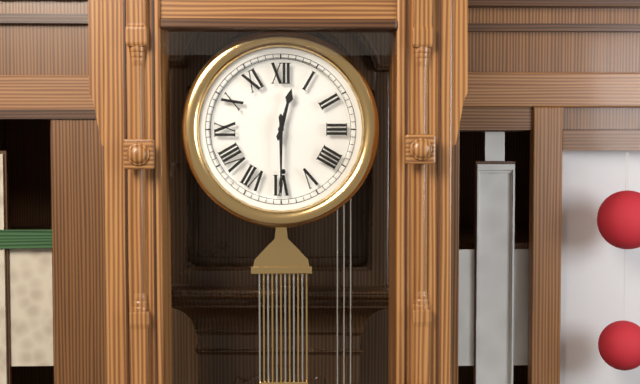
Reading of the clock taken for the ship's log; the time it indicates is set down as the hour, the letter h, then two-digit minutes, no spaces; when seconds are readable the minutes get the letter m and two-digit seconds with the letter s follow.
12h30
